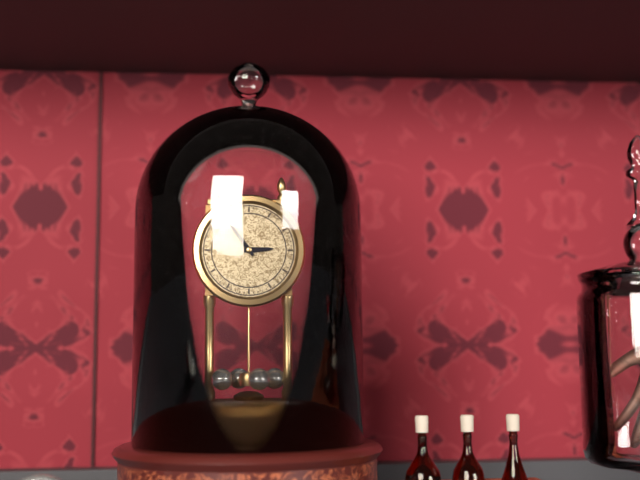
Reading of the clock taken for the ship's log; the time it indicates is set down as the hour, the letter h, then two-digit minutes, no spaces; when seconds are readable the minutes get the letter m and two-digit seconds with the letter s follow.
2h54
